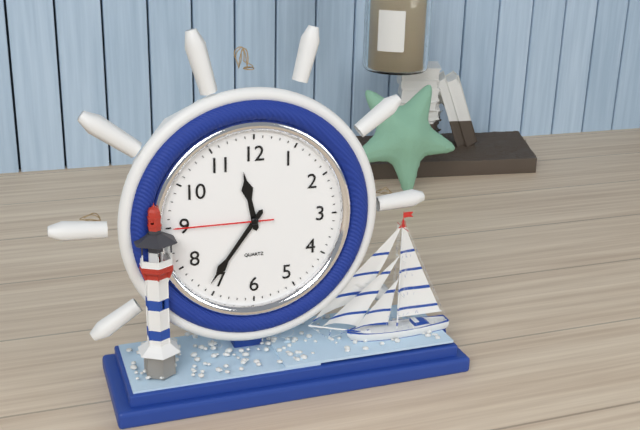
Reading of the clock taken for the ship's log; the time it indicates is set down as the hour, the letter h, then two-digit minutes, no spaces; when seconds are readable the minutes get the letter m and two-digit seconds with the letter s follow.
11h36m45s
